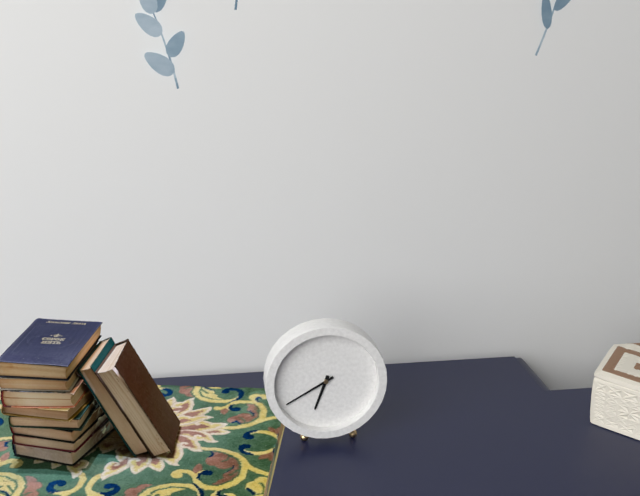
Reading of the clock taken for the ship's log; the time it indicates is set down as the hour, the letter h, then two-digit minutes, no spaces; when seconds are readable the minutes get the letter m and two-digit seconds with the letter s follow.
6h40
